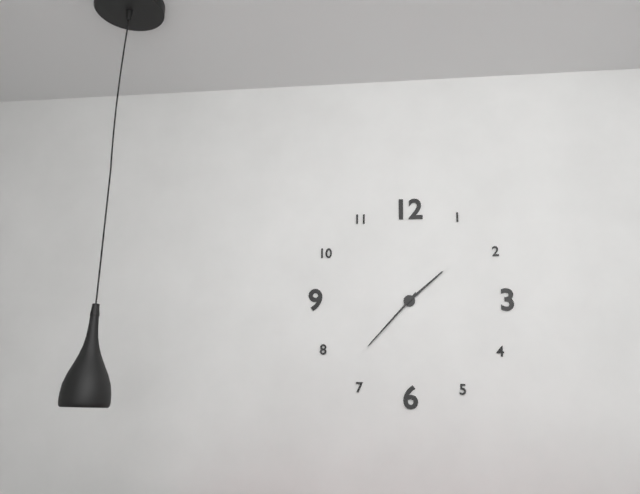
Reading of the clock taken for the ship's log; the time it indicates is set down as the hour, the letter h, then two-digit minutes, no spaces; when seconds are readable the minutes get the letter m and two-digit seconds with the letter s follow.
1h37
